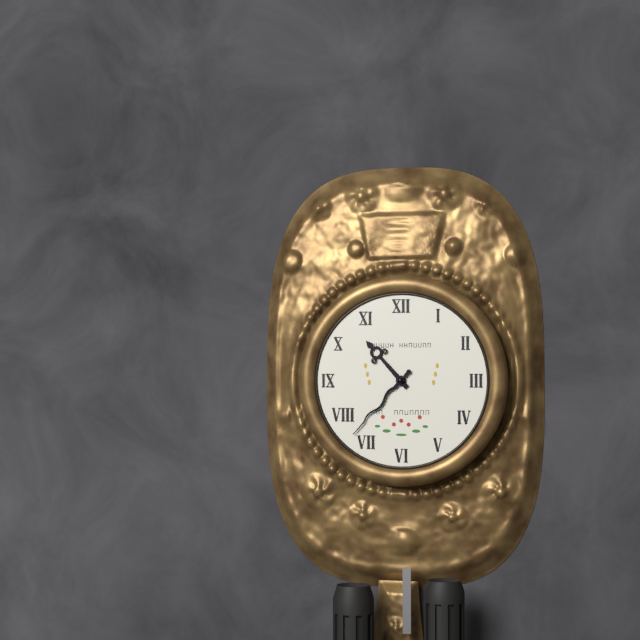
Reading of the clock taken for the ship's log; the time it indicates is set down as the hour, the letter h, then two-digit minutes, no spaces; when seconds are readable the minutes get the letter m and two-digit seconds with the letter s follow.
10h37
